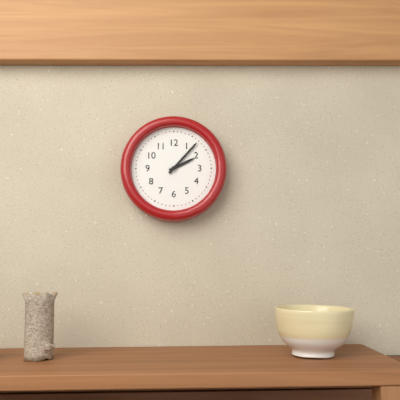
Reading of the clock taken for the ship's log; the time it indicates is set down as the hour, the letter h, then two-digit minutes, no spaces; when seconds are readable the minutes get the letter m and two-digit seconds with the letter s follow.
2h07
